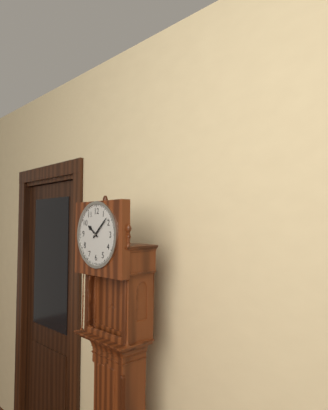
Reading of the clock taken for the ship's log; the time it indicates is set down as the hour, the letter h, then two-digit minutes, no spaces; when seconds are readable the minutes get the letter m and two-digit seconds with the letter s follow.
10h08
